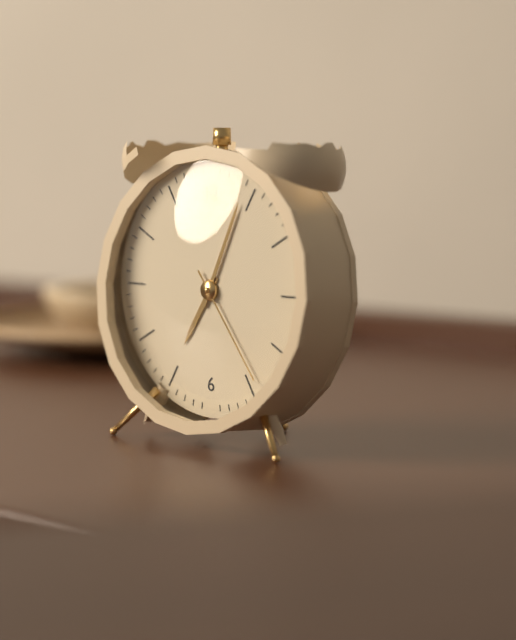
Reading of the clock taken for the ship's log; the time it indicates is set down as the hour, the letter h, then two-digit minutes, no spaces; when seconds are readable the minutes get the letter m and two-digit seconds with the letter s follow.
7h04m24s
